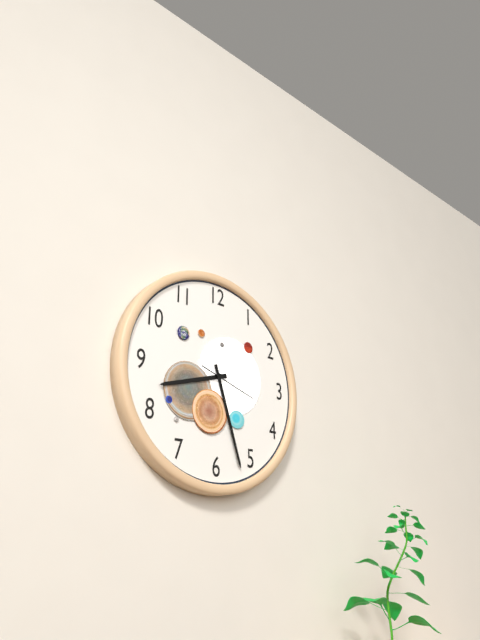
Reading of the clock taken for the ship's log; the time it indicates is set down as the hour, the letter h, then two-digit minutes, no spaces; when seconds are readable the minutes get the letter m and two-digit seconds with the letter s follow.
8h27m18s
